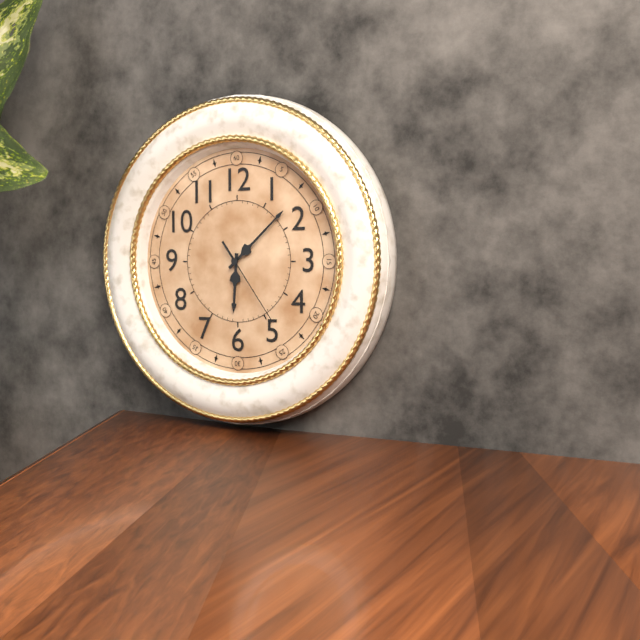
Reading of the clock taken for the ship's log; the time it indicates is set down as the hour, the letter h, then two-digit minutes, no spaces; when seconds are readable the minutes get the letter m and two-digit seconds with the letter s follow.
6h08m24s
